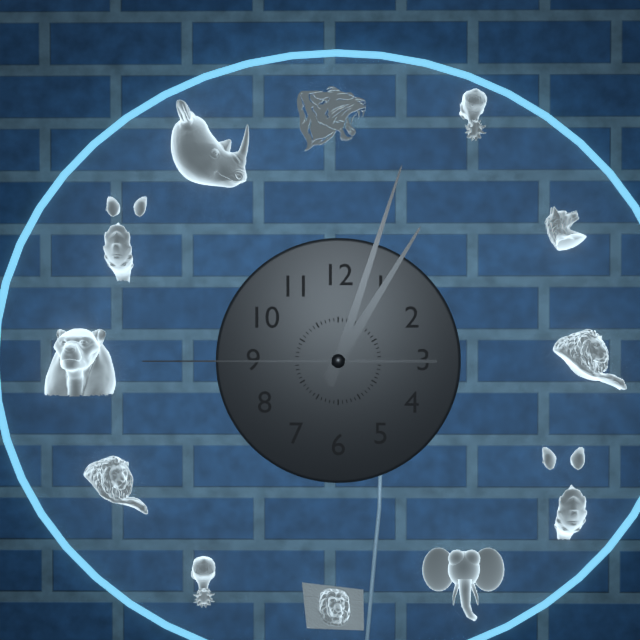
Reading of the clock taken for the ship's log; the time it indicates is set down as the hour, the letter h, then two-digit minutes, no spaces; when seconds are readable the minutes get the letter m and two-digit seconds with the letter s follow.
1h03m45s
